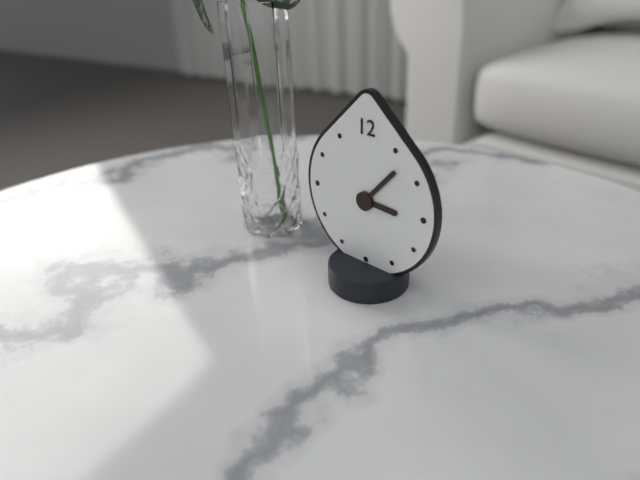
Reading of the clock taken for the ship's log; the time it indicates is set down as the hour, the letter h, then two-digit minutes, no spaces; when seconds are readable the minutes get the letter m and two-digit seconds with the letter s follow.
3h07
